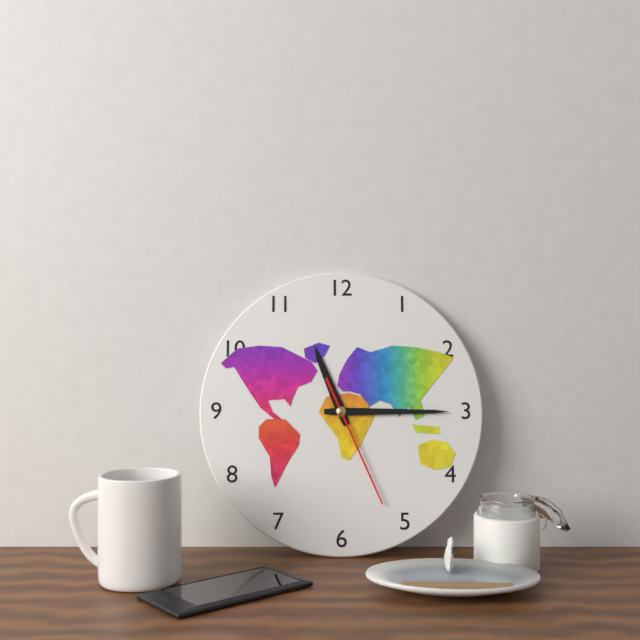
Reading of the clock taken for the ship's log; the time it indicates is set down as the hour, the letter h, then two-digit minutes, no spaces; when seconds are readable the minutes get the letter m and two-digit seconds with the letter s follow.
11h15m26s
